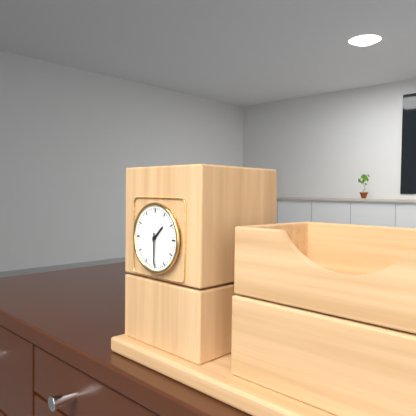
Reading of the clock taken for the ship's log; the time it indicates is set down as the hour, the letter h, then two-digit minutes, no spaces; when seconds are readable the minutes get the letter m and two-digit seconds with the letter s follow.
1h30
